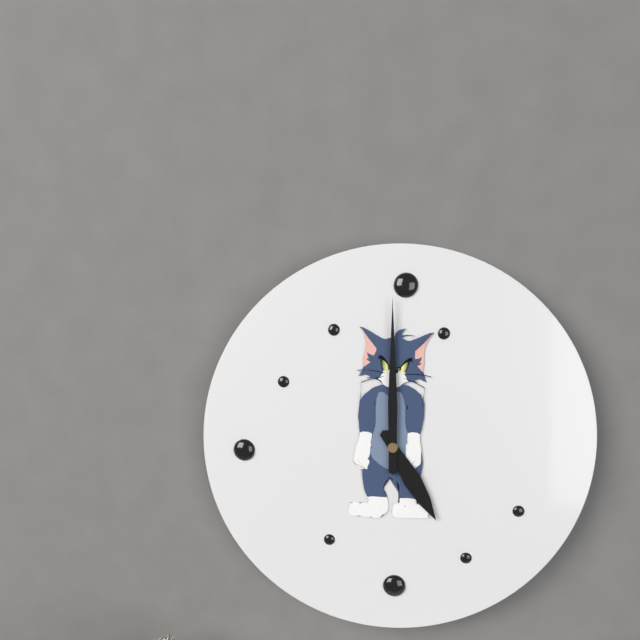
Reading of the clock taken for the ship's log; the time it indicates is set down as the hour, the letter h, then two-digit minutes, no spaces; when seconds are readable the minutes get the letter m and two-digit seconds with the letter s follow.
5h00
